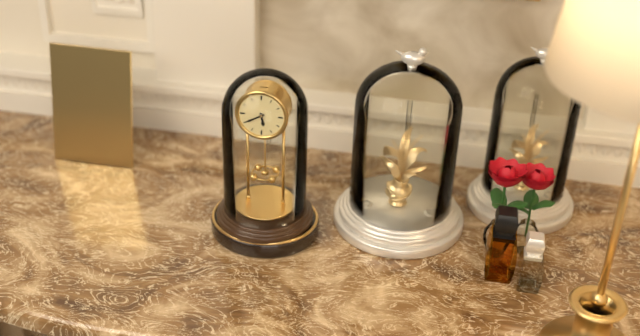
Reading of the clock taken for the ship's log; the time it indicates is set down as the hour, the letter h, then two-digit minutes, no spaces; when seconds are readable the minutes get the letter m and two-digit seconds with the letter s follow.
5h40
